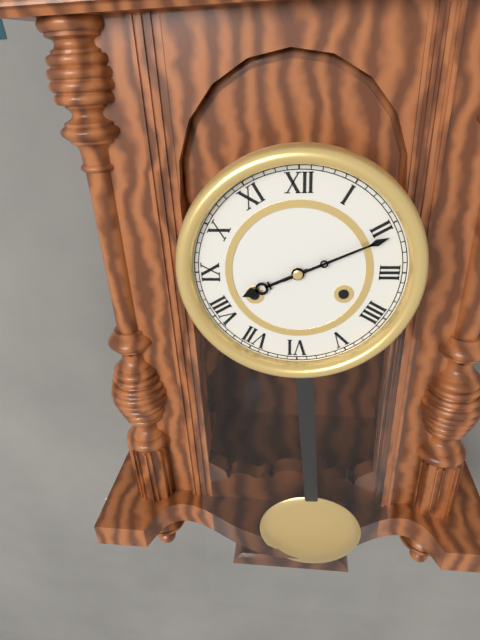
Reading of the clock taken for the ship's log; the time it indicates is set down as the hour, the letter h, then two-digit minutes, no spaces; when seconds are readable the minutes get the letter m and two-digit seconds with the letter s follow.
8h11
